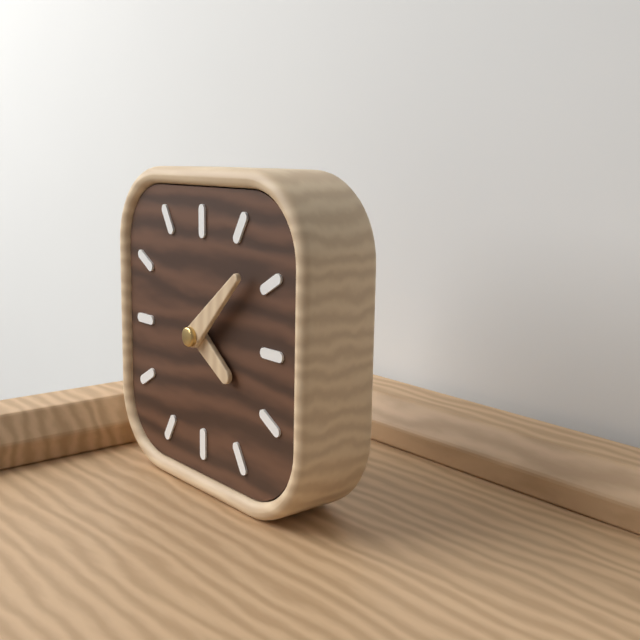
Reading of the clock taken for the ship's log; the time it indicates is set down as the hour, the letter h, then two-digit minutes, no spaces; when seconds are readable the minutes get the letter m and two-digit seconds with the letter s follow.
4h08
